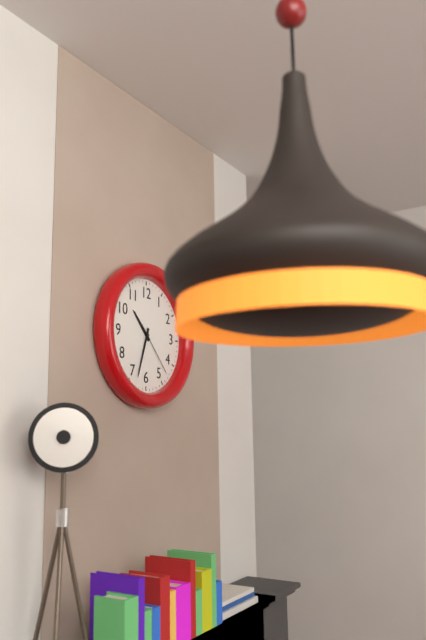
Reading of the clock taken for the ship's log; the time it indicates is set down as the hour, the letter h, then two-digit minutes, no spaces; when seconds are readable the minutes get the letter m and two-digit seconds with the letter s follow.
10h33m23s
